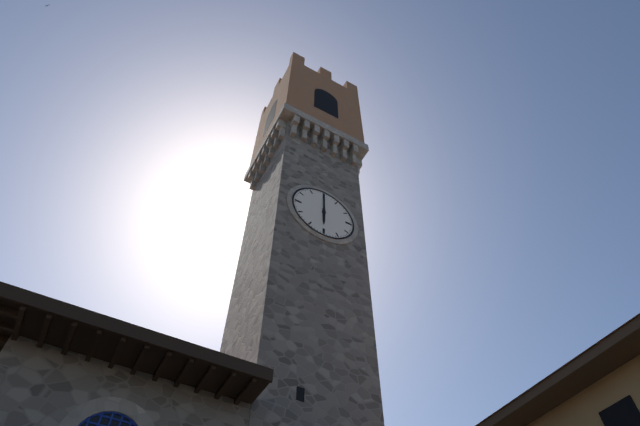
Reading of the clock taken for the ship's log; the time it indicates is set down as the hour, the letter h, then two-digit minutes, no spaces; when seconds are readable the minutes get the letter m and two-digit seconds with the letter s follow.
6h00
